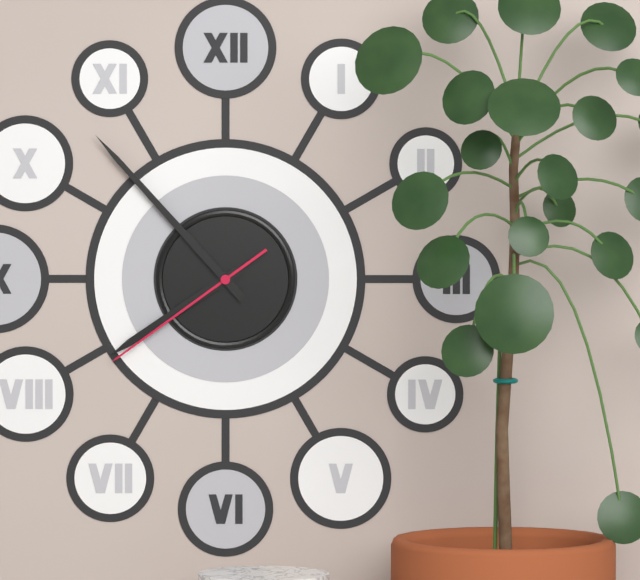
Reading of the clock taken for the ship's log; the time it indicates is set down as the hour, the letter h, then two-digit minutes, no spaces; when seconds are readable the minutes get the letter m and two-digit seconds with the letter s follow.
7h53m39s
